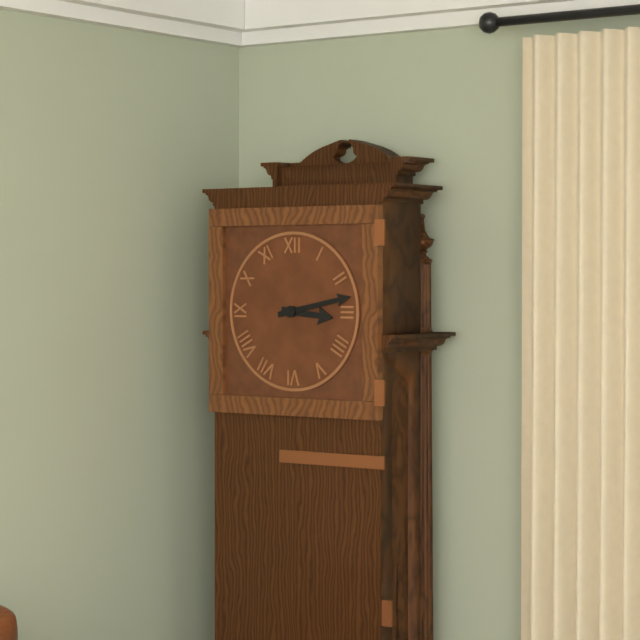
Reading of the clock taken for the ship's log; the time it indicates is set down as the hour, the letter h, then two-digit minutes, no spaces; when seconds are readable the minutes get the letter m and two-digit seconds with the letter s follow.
3h13
